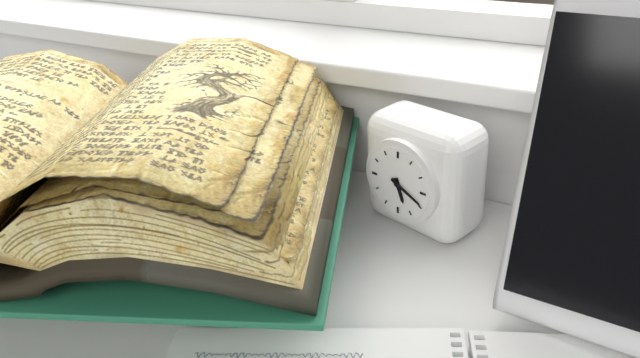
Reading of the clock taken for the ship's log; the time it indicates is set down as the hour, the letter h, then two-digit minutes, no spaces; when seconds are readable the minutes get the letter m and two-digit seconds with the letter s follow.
5h19
